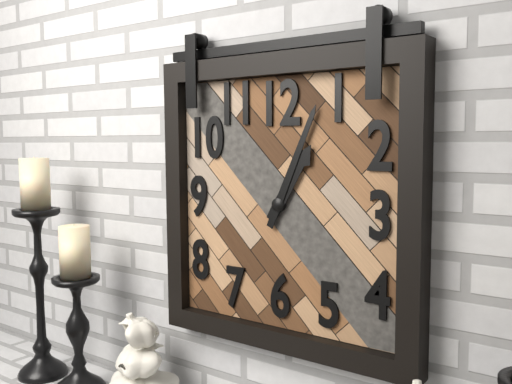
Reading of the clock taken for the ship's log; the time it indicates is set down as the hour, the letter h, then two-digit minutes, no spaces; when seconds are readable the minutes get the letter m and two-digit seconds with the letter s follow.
1h04
